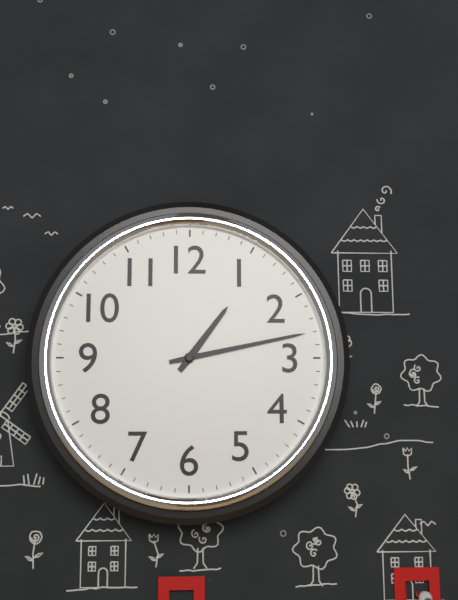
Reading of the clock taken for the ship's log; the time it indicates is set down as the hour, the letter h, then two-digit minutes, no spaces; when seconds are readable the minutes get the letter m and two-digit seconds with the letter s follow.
1h13
